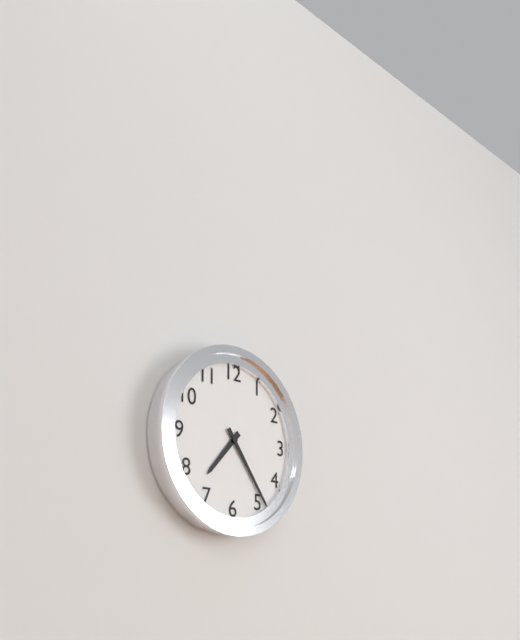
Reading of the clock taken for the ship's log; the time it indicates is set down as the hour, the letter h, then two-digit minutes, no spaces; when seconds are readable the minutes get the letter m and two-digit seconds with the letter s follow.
7h24
